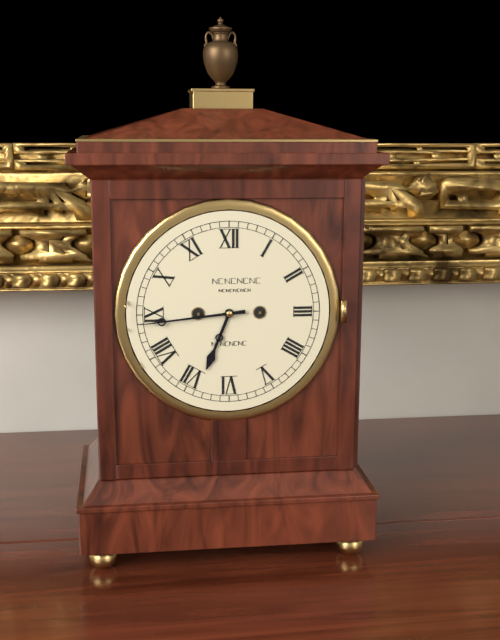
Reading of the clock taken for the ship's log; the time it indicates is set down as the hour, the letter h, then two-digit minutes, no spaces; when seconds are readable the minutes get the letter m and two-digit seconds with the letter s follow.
6h44
